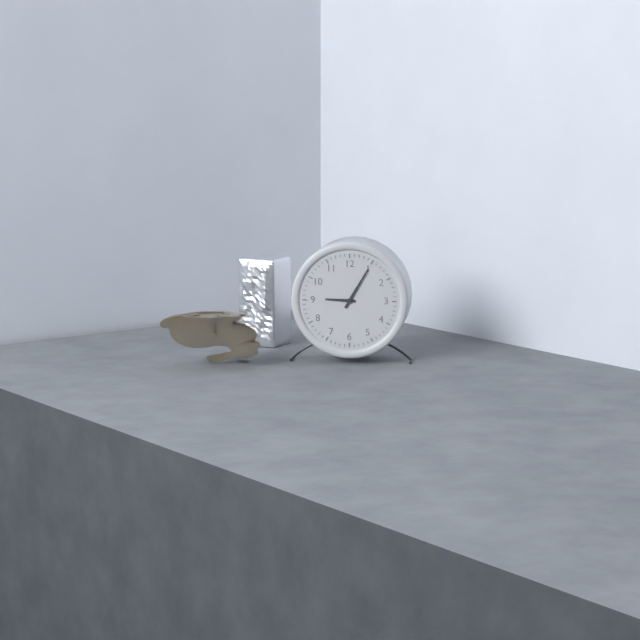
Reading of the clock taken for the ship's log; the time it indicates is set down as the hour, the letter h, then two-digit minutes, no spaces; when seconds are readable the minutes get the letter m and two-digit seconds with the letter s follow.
9h05
